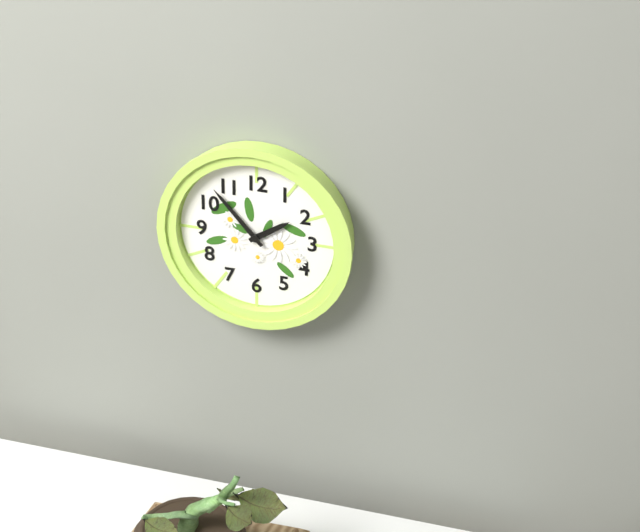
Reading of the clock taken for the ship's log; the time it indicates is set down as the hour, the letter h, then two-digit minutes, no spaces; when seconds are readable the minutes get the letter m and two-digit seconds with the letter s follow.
1h53
